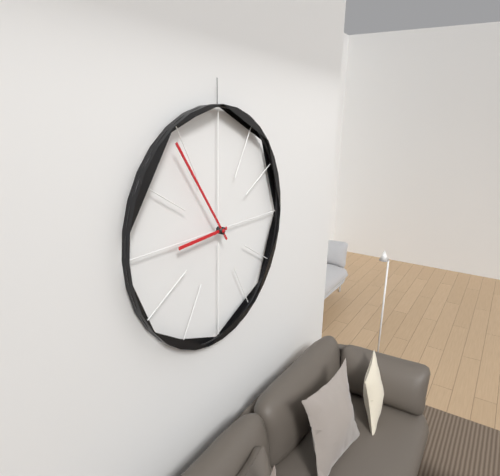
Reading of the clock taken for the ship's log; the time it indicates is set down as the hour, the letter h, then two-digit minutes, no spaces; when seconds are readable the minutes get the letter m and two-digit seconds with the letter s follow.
8h54
